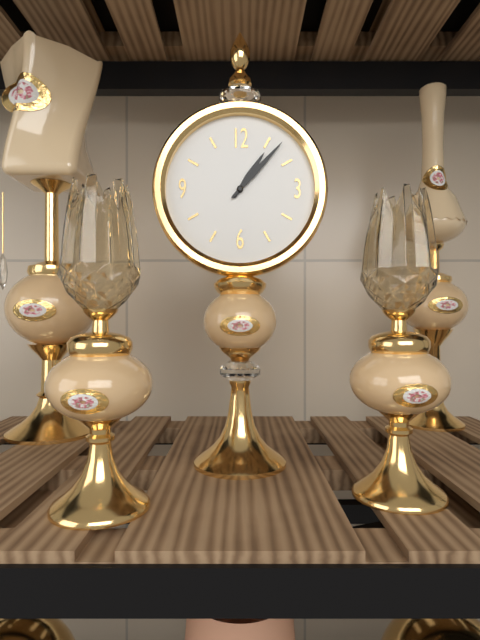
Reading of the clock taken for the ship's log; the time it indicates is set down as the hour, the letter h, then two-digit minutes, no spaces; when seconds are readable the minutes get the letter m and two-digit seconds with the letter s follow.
1h07
